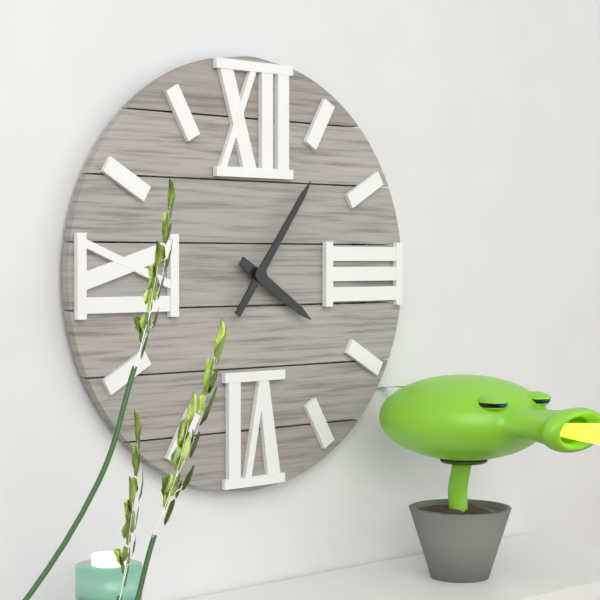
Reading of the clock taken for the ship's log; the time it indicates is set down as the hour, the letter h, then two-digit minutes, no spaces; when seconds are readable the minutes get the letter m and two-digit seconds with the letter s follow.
4h06
